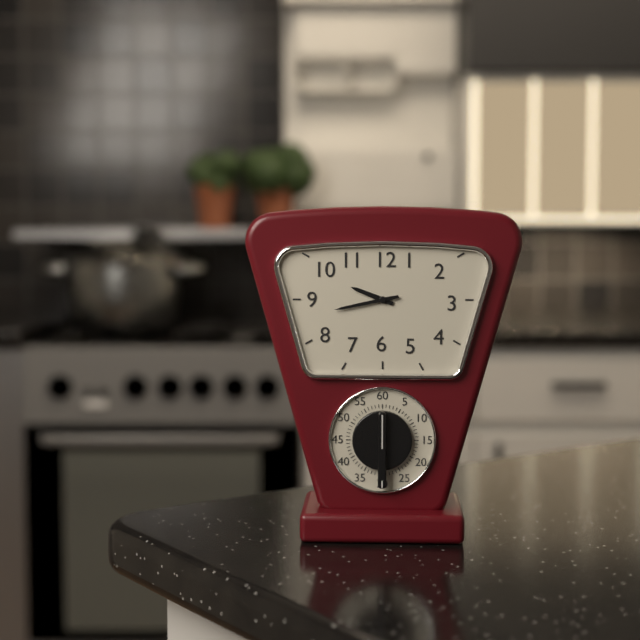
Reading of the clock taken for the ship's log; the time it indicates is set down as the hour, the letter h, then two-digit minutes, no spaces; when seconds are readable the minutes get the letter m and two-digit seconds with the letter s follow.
9h43
